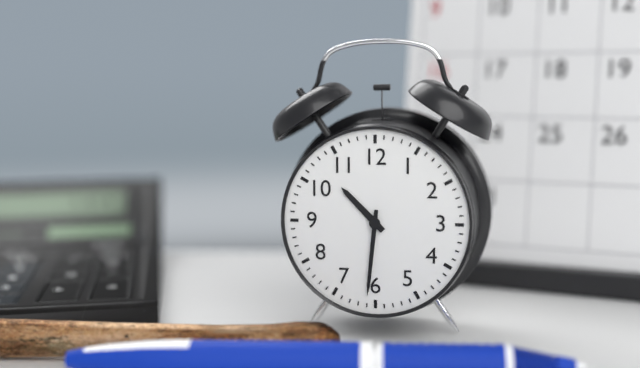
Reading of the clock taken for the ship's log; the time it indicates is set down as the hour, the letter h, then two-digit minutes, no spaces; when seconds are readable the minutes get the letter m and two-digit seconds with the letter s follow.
10h31
